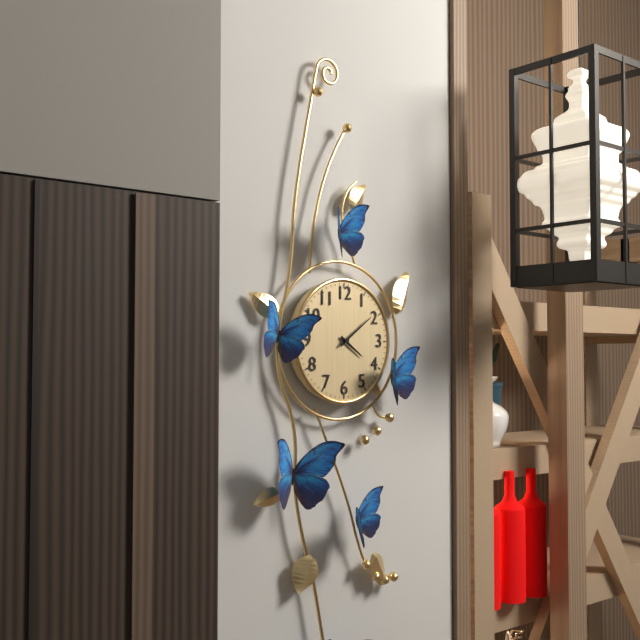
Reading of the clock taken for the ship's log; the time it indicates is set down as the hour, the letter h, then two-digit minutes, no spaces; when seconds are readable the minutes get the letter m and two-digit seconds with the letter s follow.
4h09
